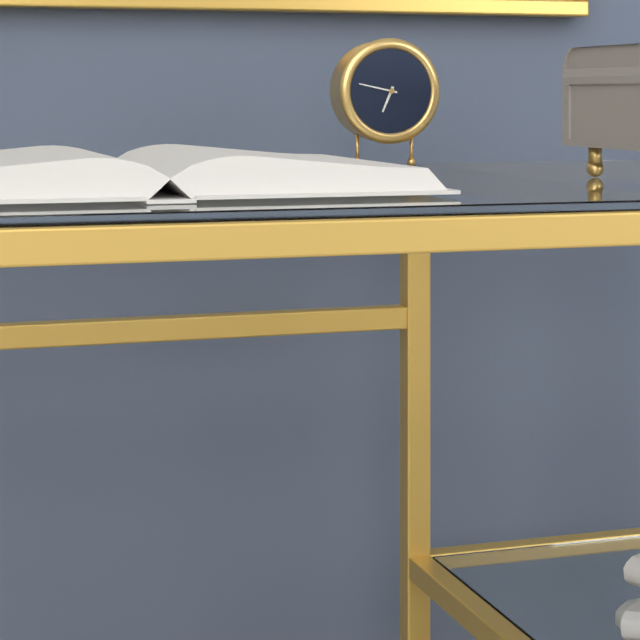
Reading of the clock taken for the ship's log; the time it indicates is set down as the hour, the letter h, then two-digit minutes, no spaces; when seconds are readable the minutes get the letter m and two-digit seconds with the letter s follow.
6h47
